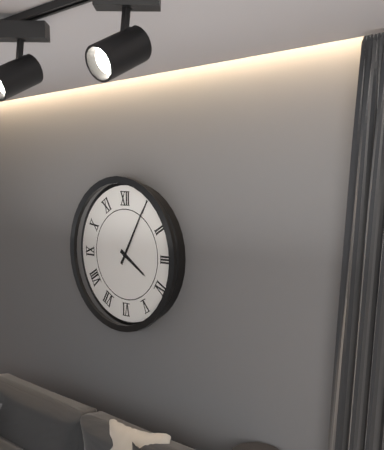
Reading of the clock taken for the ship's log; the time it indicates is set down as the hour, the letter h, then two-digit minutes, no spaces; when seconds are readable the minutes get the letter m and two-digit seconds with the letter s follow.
4h05
